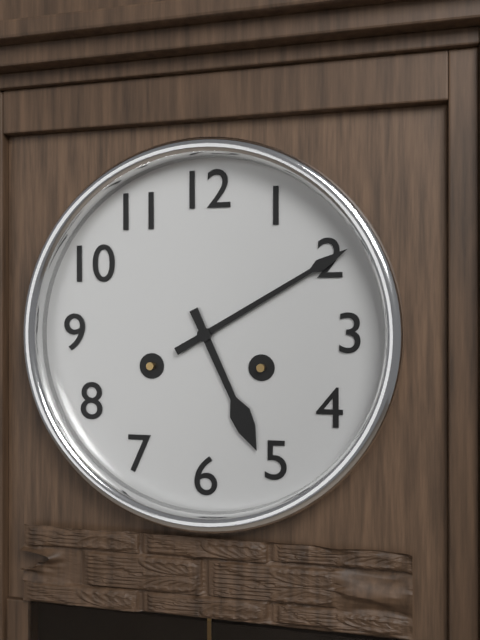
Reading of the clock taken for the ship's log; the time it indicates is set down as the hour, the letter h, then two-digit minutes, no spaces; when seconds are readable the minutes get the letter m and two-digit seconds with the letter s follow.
5h10
